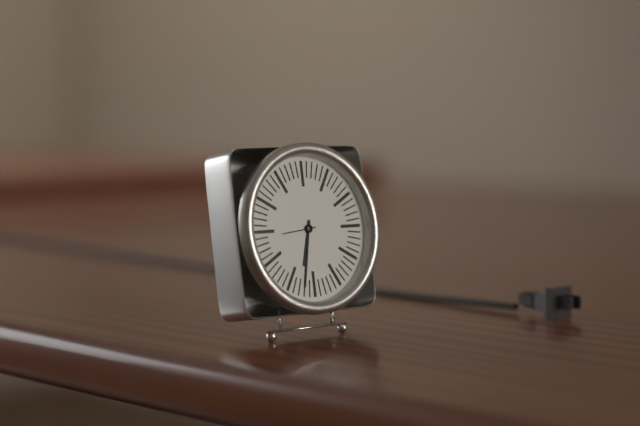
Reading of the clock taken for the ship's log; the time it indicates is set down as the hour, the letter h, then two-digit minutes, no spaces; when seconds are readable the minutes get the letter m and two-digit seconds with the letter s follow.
6h32
